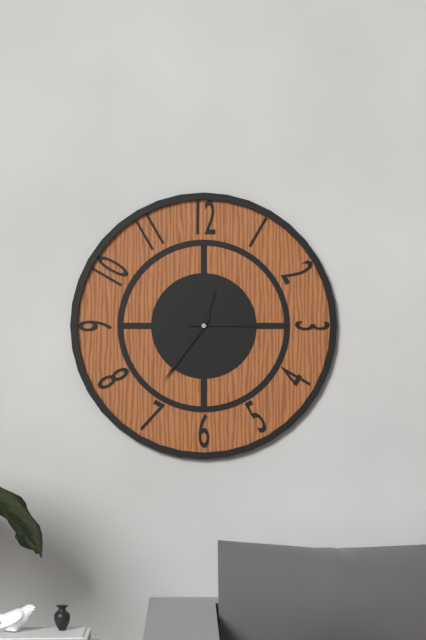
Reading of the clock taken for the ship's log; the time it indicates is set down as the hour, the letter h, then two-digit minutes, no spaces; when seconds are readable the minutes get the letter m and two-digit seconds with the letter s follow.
12h36m15s
